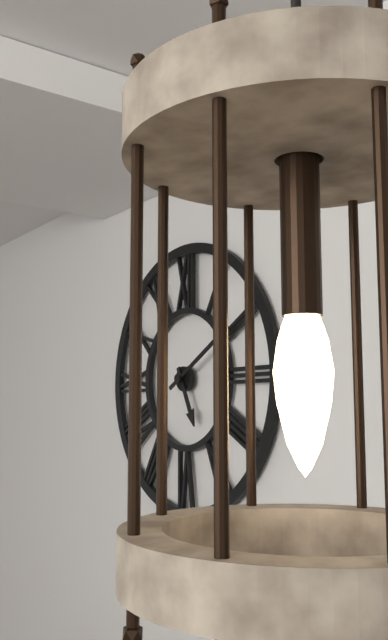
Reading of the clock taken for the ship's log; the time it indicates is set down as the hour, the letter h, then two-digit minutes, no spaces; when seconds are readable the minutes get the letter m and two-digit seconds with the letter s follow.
5h10
